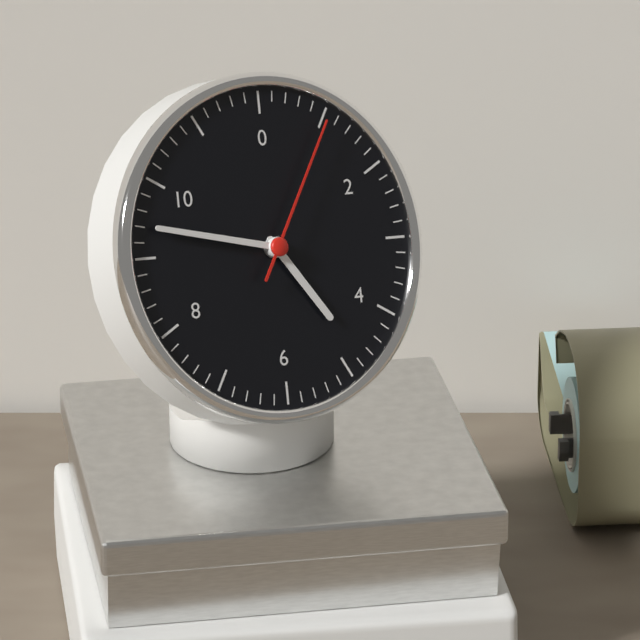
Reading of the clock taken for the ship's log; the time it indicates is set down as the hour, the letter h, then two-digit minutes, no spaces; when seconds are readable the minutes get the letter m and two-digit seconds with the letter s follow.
4h47m05s
